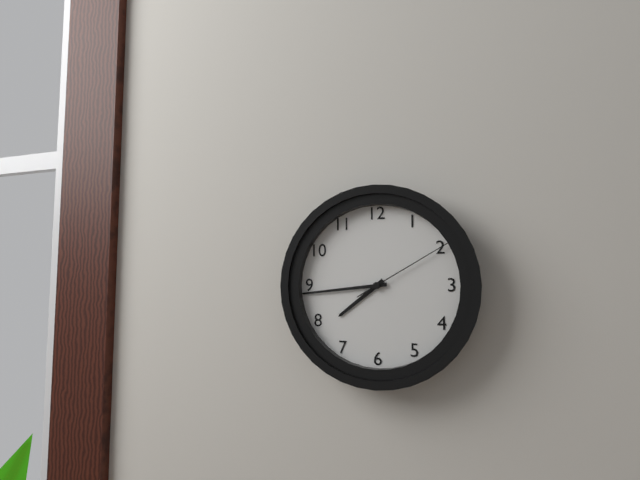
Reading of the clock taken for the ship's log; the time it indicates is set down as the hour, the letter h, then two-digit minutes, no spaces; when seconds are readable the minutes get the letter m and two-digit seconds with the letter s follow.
7h44m10s
